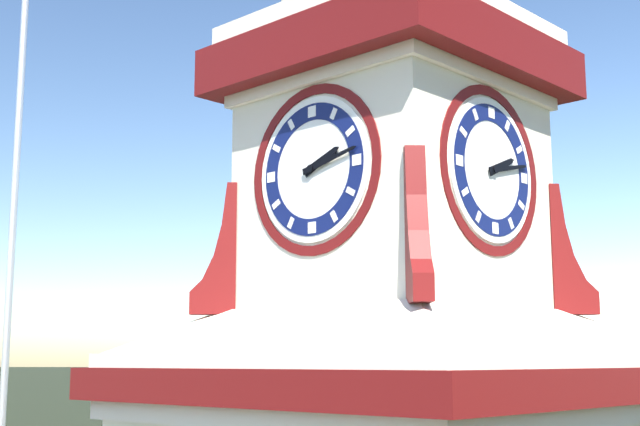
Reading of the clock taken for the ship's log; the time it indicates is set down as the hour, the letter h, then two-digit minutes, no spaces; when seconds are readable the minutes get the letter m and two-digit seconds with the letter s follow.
2h13
